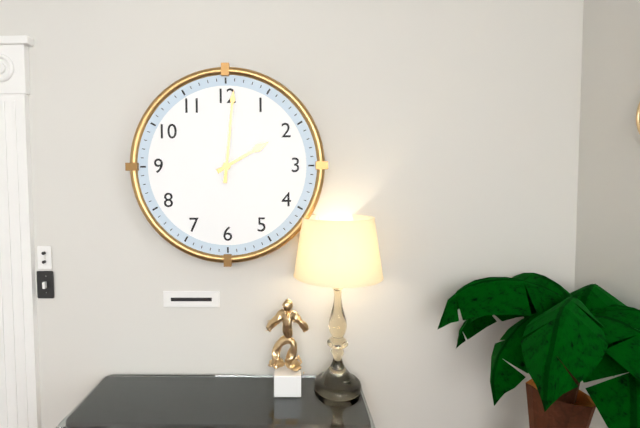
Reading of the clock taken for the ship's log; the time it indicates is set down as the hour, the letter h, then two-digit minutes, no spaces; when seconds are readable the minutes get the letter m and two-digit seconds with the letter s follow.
2h01
